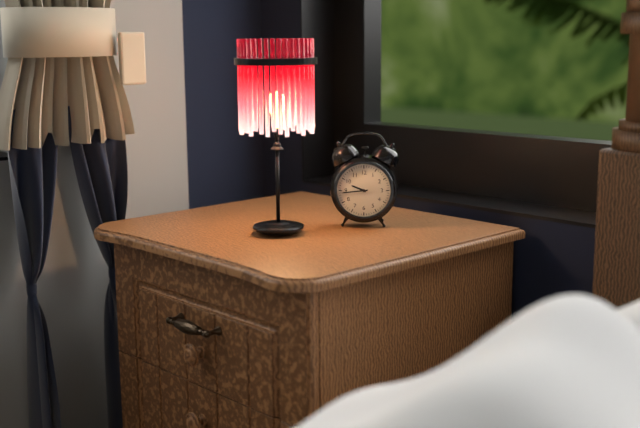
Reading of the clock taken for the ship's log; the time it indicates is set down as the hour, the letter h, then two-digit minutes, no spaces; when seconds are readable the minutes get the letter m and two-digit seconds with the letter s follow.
9h44
